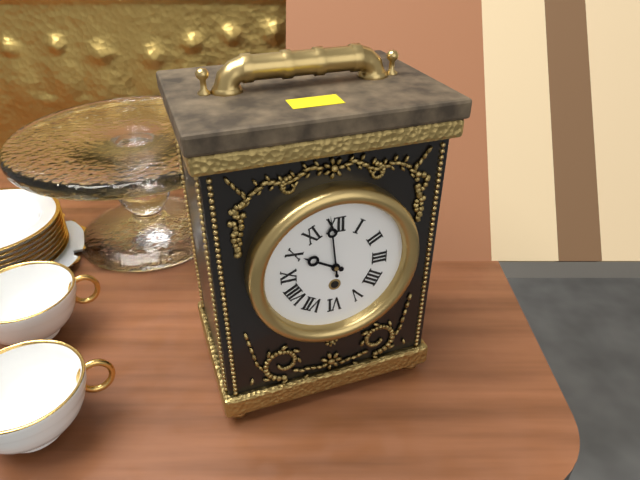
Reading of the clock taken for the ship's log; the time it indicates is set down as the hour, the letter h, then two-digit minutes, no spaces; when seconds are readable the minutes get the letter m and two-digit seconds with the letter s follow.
9h59
